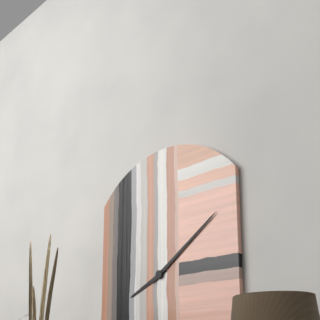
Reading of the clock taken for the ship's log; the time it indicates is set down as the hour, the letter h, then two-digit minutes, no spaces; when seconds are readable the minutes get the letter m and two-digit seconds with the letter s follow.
8h09
